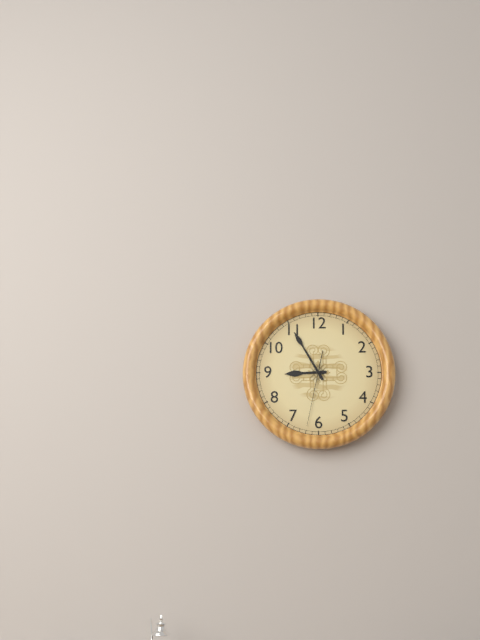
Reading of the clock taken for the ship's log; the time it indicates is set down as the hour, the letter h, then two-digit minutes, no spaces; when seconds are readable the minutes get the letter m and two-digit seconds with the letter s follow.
8h55m32s
